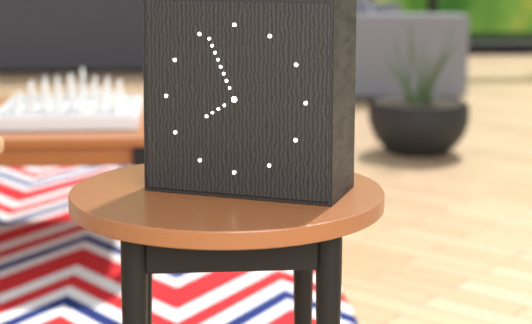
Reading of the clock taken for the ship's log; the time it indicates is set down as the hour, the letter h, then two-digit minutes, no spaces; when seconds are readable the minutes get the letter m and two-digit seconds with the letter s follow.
7h56
